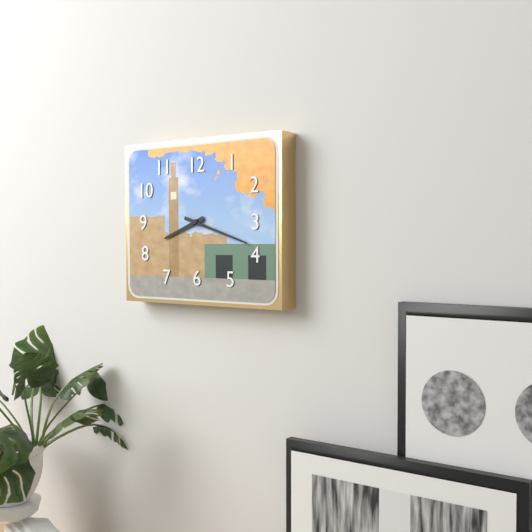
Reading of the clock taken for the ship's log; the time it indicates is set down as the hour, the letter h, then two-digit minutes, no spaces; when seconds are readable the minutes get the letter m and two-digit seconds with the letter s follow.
8h18
